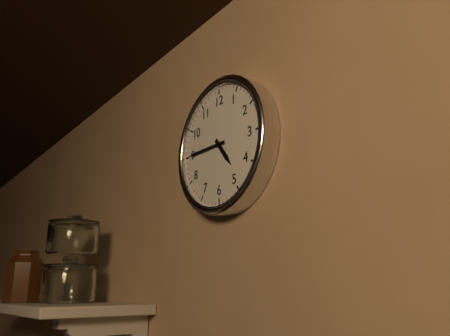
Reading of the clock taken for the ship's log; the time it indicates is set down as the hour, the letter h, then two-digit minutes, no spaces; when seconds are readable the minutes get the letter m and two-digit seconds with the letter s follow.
4h45
